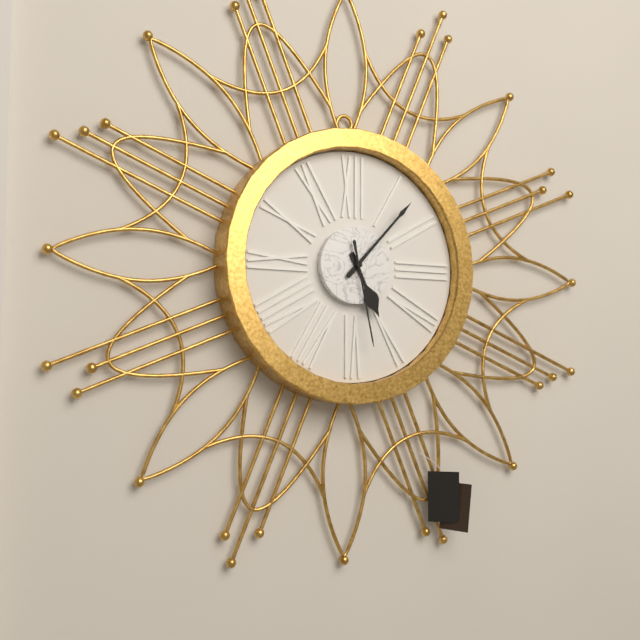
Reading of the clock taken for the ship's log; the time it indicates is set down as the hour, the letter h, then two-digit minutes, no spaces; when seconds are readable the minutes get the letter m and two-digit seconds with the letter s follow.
5h07m28s
